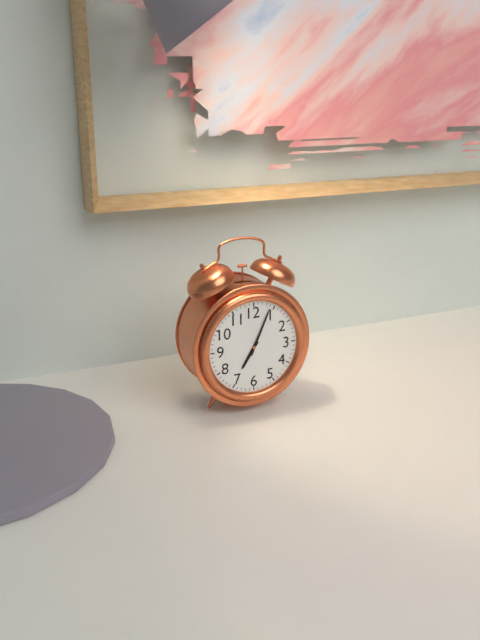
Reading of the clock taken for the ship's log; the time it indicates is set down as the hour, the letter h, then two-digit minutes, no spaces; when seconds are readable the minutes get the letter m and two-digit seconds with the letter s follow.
7h04
